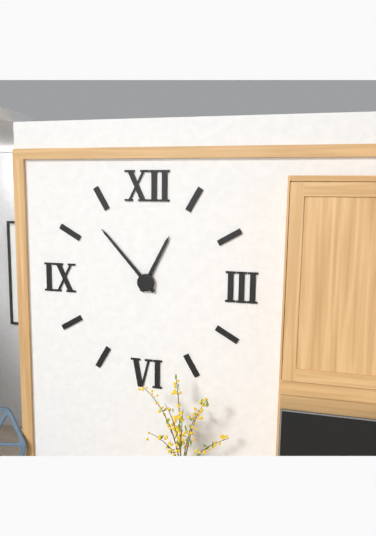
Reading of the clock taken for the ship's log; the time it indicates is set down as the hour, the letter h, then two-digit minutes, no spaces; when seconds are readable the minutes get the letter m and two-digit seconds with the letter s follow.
12h53
